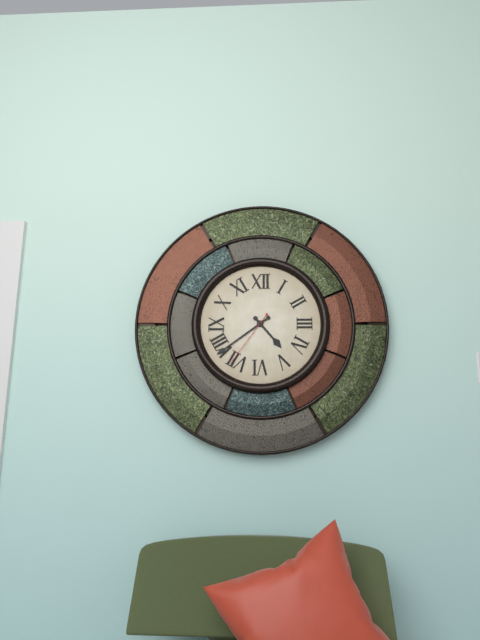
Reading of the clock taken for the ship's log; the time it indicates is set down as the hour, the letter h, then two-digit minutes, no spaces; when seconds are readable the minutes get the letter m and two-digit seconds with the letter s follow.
4h39m36s
